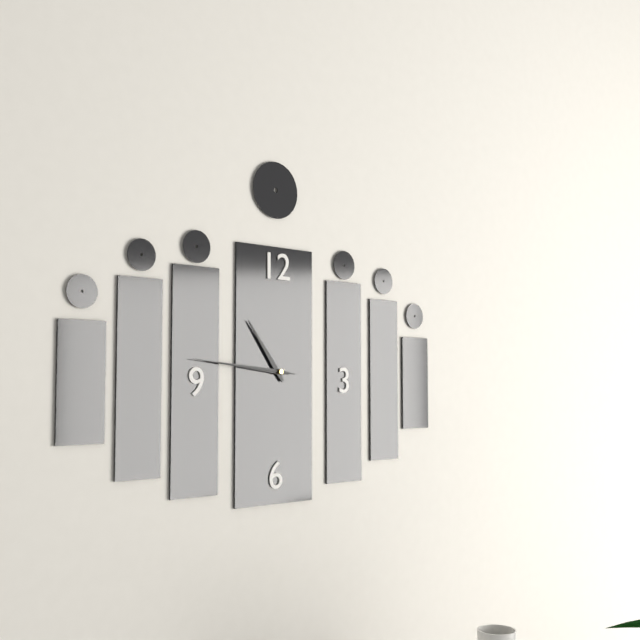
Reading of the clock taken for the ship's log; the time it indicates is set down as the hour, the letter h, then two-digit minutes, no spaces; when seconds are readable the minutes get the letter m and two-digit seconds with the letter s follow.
10h46m46s
